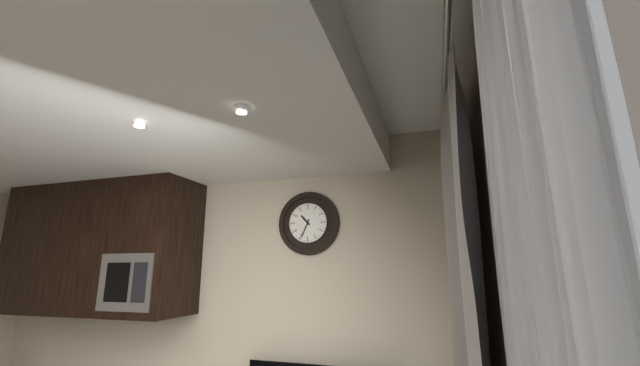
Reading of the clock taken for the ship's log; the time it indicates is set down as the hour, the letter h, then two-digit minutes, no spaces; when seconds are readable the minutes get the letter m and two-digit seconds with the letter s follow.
10h34
